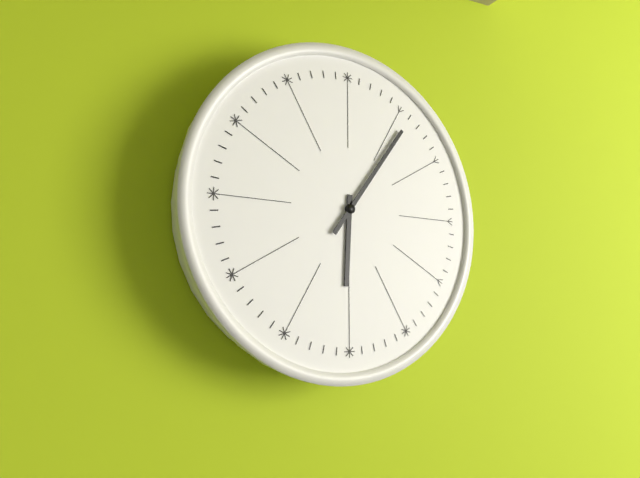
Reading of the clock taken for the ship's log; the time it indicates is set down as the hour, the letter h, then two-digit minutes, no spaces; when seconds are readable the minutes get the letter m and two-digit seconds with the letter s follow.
6h06
